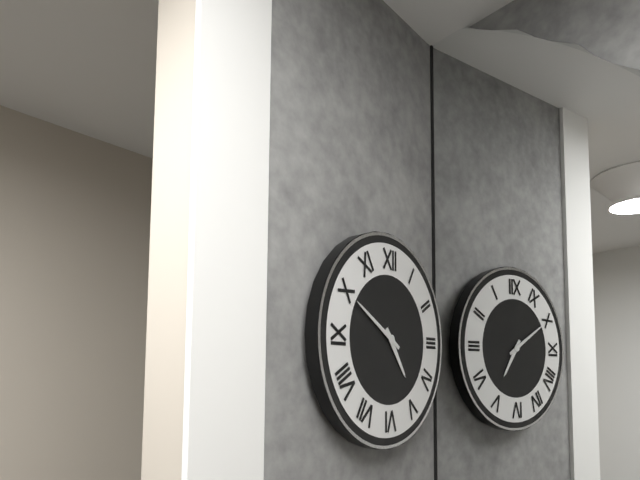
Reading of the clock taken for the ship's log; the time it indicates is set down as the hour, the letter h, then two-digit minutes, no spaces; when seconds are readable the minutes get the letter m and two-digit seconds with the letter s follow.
4h50
